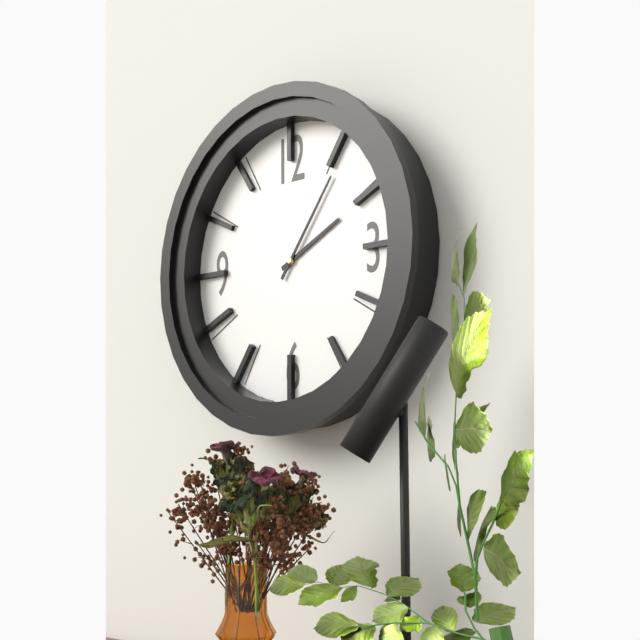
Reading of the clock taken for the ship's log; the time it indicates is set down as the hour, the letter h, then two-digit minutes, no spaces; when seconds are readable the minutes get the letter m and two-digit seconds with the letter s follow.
2h06
